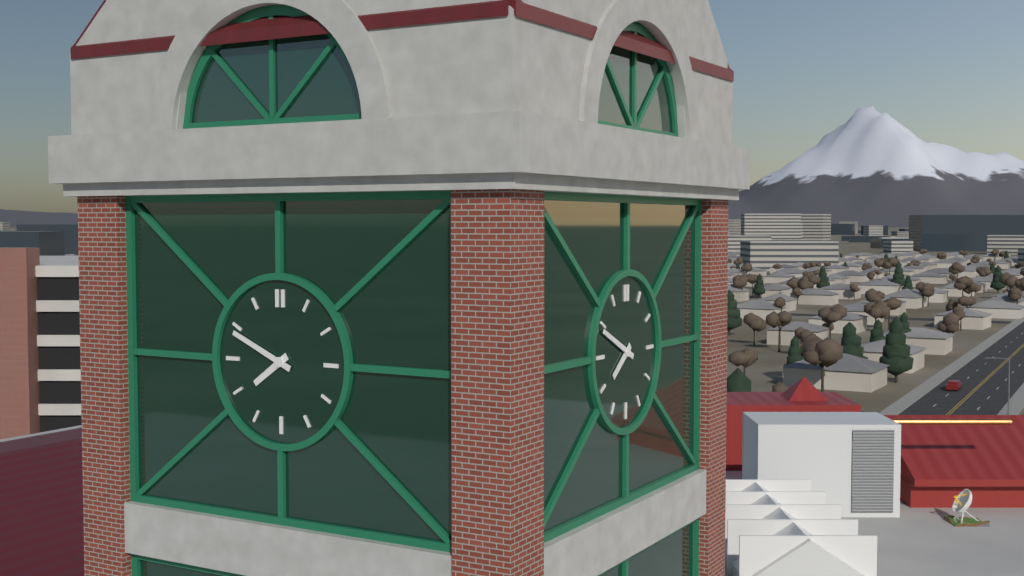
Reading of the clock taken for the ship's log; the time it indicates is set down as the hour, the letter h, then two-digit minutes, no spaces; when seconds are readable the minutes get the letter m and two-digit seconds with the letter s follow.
7h49
